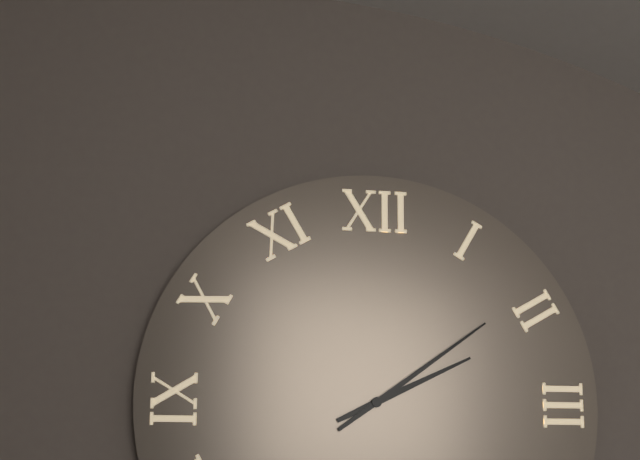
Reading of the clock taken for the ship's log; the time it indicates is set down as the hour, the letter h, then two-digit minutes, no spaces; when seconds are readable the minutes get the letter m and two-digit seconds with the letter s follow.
2h09
